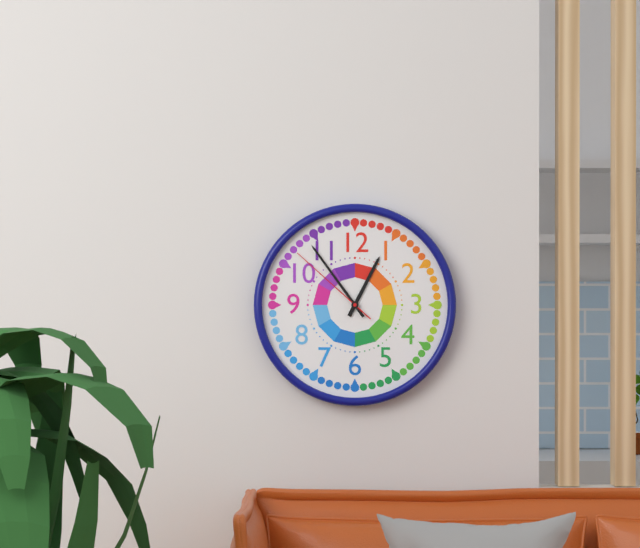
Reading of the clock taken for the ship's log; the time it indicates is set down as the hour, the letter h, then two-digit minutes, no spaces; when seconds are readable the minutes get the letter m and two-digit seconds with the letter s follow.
12h54m52s
